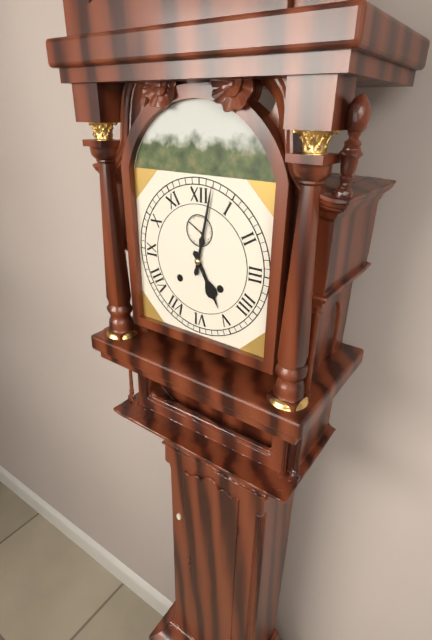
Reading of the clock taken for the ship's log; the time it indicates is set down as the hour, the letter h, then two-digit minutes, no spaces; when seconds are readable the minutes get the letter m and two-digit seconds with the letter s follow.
5h02
